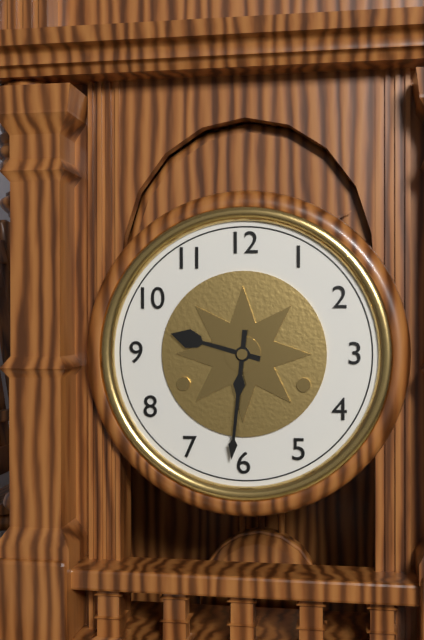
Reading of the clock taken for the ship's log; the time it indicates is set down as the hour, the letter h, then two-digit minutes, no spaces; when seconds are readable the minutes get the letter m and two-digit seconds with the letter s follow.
9h31
